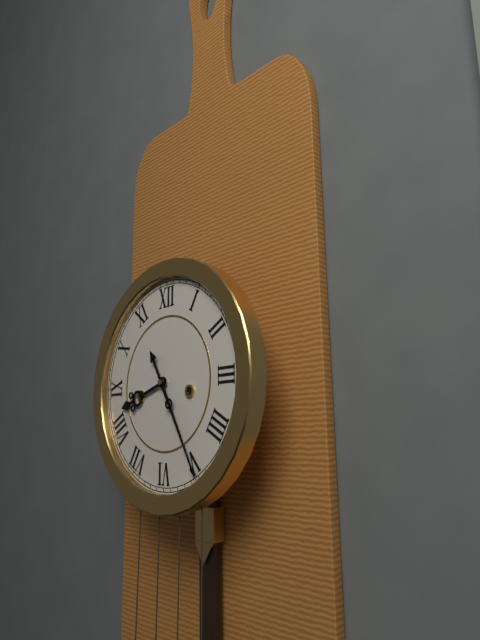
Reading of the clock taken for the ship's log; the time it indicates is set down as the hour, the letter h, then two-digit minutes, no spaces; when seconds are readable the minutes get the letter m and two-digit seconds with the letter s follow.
8h25
